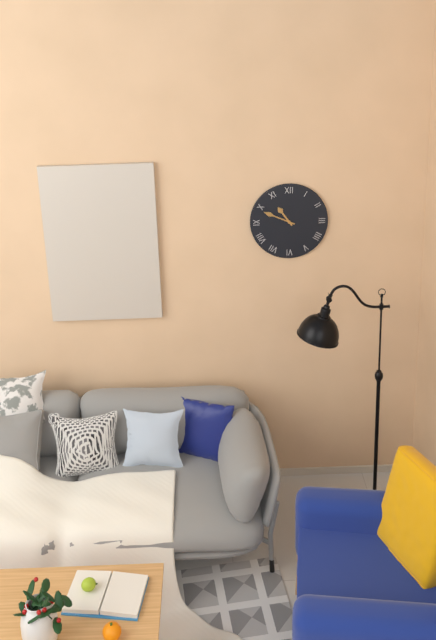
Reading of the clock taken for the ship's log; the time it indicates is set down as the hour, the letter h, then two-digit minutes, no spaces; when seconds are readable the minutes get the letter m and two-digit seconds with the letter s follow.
10h49
